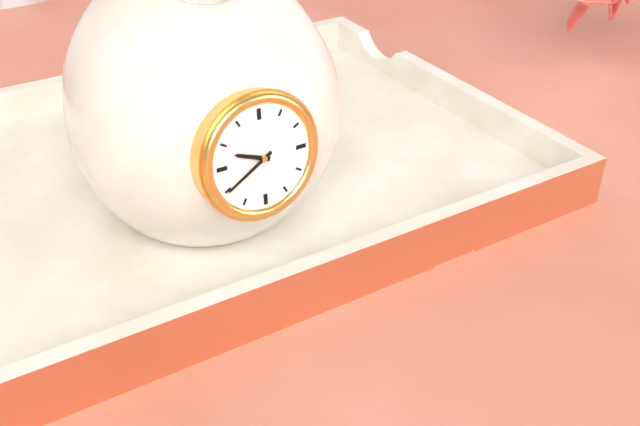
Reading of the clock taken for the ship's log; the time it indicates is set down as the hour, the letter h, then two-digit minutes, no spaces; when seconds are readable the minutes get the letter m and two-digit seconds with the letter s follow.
9h40
